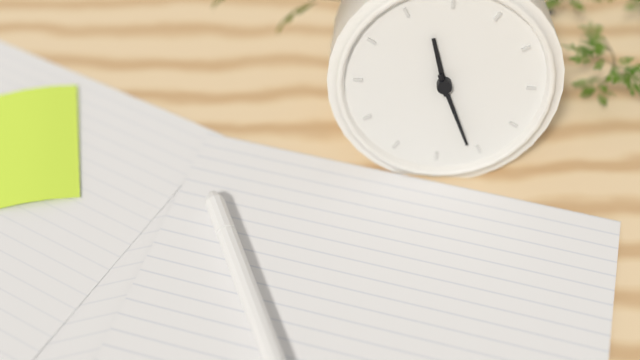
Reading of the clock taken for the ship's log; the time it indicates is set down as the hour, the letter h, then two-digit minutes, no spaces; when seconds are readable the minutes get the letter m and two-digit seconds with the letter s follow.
11h26
